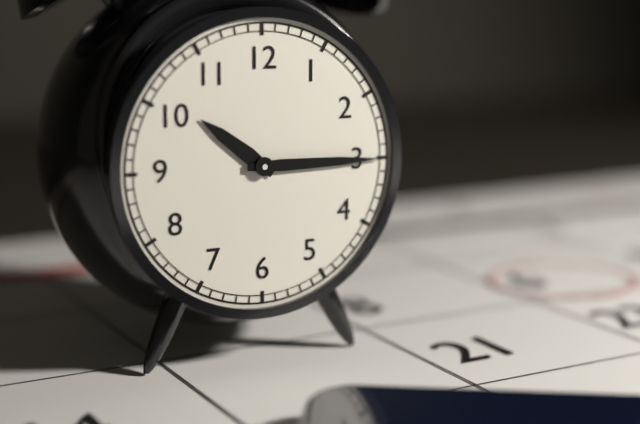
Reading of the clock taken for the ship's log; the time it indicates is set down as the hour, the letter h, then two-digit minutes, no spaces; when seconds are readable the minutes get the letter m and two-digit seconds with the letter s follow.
10h15
